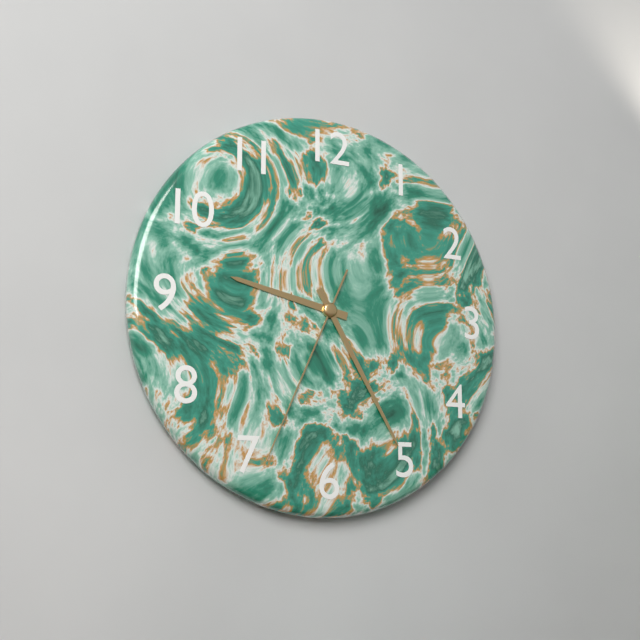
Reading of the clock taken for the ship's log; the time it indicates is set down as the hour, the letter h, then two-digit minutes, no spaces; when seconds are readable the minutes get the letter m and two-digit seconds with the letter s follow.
9h25m34s
